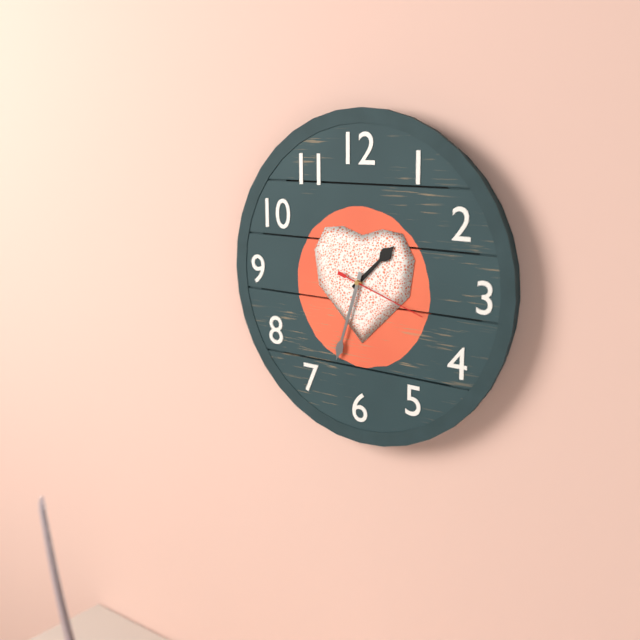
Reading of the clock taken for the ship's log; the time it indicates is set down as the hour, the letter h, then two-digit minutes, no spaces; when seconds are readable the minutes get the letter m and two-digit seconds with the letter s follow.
1h33m18s
